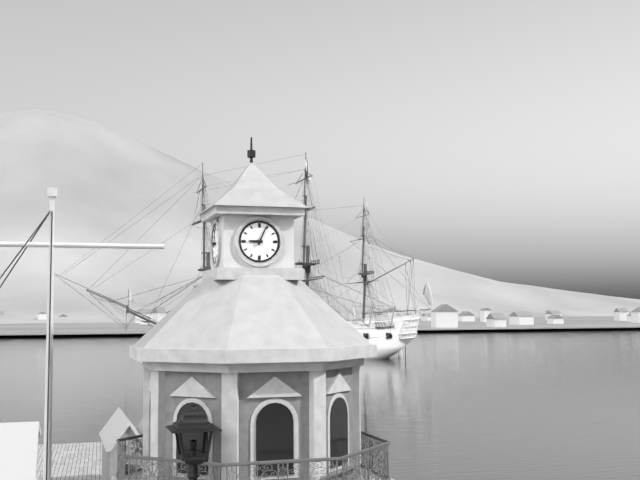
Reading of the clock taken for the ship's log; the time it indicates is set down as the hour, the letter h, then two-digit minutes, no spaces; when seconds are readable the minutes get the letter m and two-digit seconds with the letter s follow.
9h04
